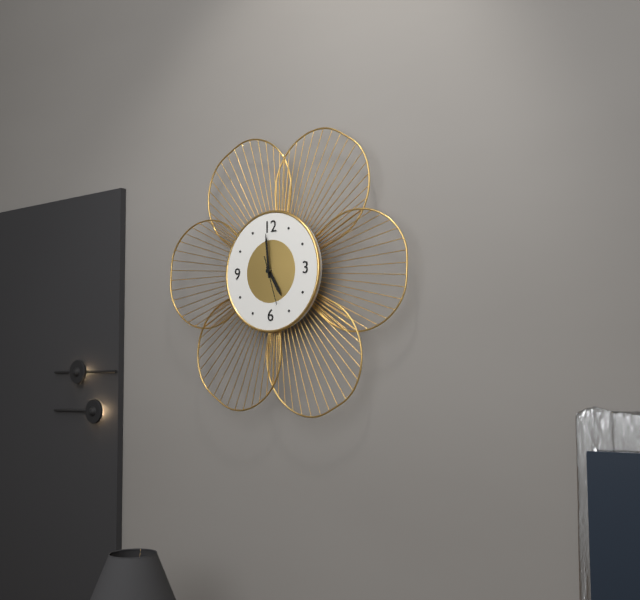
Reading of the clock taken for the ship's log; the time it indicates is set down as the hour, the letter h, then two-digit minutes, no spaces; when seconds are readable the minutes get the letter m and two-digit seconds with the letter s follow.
4h59
